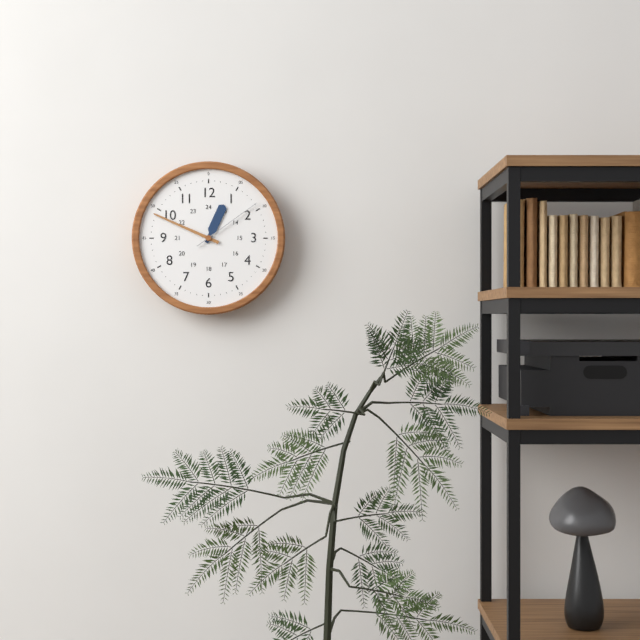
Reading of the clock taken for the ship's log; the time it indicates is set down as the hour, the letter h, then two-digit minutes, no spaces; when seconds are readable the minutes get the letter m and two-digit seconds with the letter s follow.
12h49m09s
